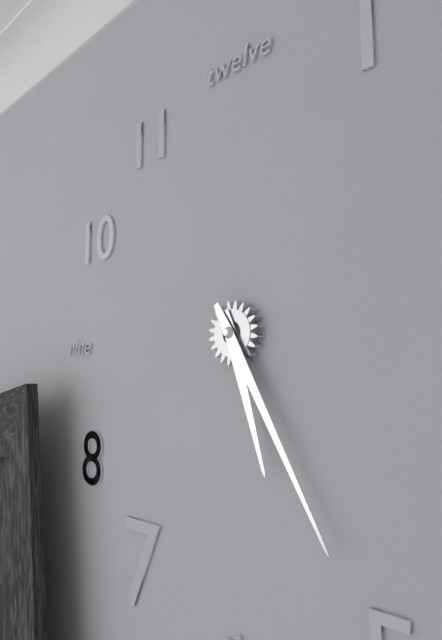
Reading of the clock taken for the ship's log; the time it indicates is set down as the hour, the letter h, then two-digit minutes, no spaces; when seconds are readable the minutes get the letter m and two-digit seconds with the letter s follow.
5h25
